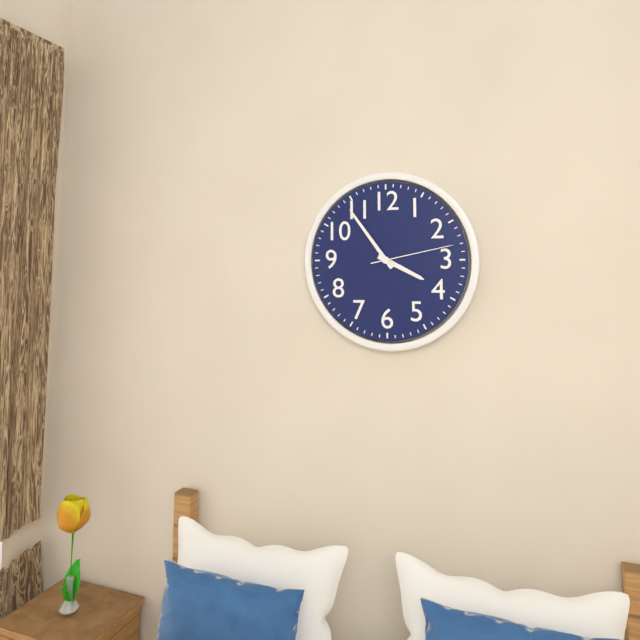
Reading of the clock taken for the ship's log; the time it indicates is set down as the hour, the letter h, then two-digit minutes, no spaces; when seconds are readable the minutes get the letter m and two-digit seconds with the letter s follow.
3h54m13s
